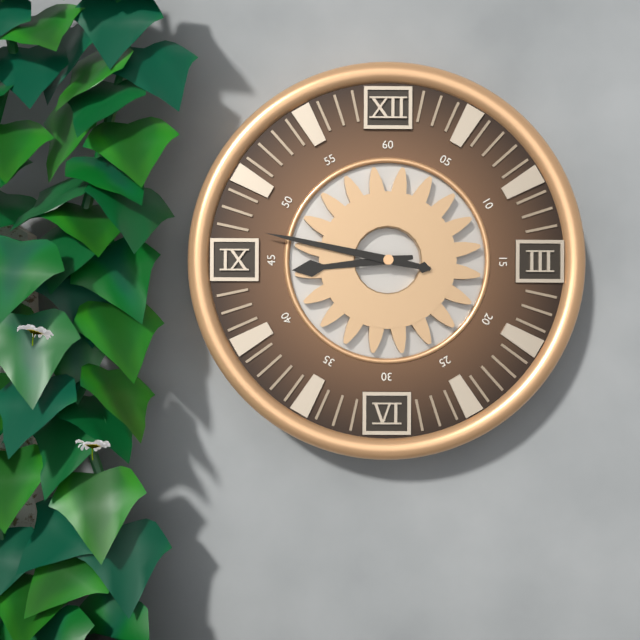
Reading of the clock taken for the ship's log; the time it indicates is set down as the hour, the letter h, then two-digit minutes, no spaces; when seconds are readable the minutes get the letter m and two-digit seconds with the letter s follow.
8h47
